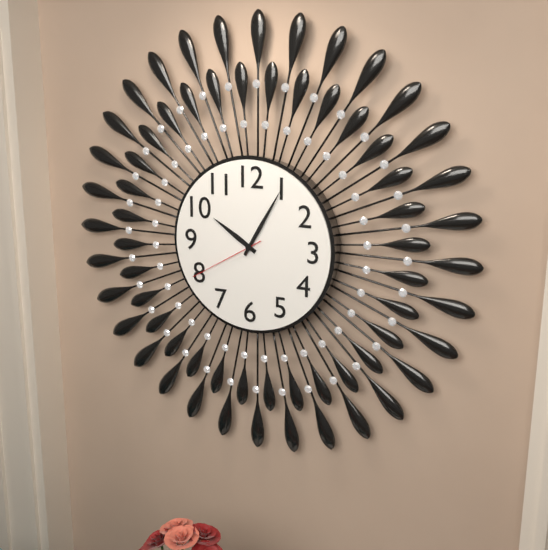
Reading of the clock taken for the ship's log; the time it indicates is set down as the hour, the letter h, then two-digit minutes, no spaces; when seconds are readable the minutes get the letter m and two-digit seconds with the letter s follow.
10h05m40s
